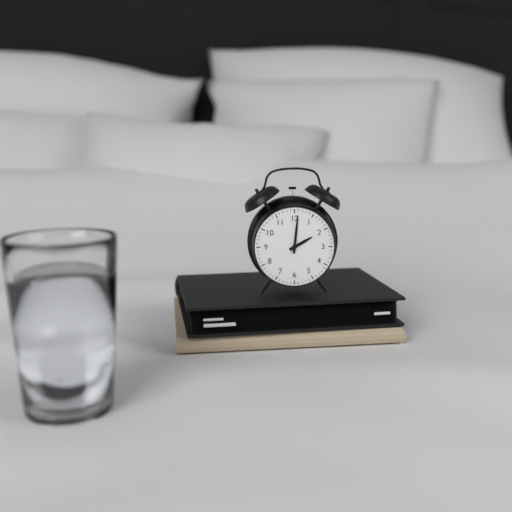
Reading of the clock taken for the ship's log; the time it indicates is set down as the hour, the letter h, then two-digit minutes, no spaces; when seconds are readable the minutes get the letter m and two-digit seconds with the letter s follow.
2h01
